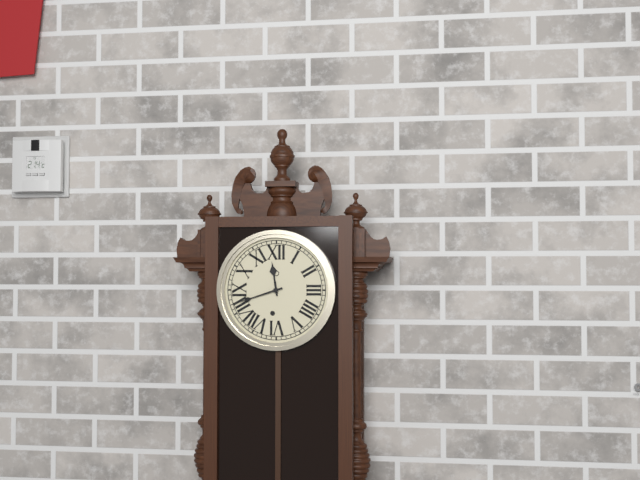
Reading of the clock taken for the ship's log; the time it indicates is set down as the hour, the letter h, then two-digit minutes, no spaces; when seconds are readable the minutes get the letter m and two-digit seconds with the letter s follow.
11h42
